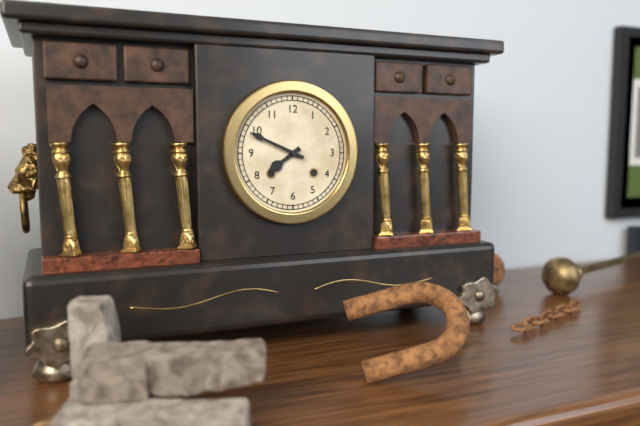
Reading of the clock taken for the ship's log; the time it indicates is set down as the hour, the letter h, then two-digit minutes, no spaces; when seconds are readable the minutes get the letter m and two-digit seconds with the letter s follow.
7h49
